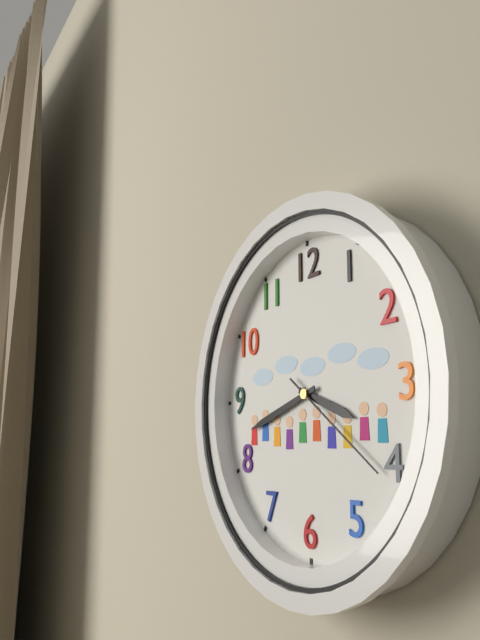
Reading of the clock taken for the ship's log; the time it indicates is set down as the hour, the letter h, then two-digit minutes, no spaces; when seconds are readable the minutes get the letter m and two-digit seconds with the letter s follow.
3h42m21s
